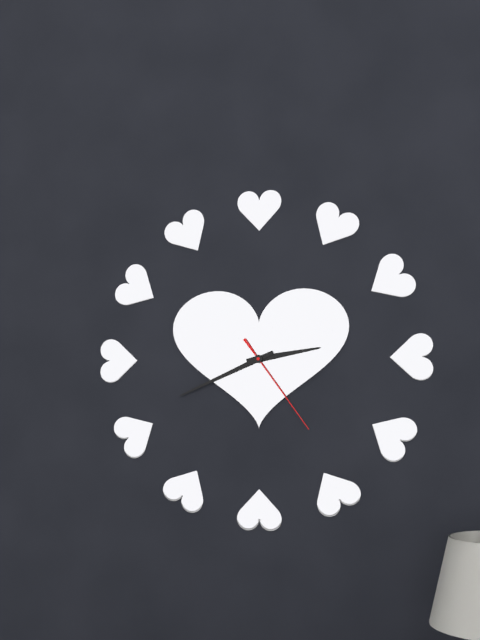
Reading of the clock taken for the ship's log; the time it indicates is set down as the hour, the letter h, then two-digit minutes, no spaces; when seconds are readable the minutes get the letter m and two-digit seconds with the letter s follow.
2h41m24s
